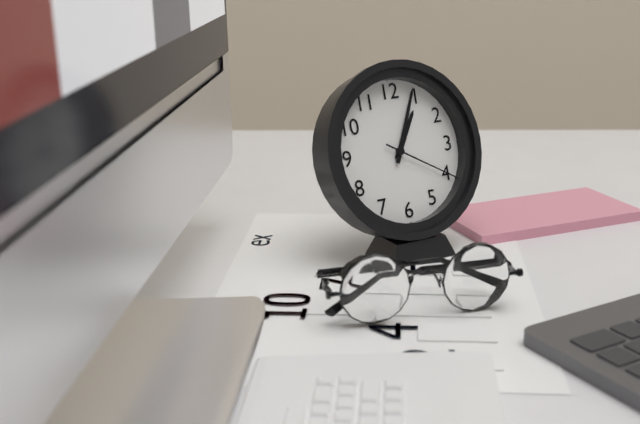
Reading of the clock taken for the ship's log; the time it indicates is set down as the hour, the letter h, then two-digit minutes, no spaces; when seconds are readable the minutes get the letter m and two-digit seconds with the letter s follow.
1h04m20s
